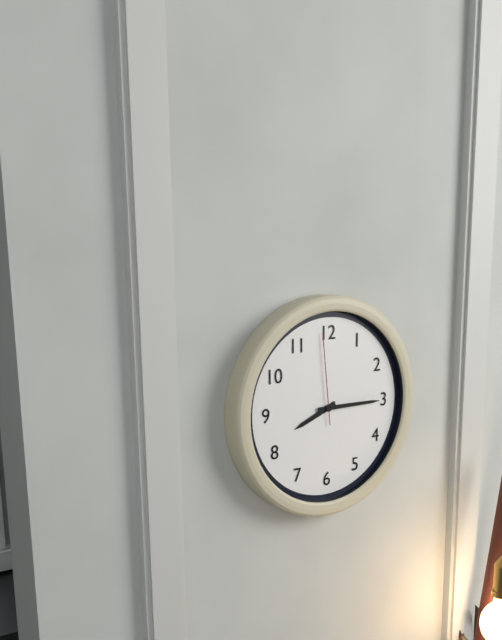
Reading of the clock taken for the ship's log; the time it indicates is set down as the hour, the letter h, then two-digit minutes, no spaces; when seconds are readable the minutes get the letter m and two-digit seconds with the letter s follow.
8h15m59s
